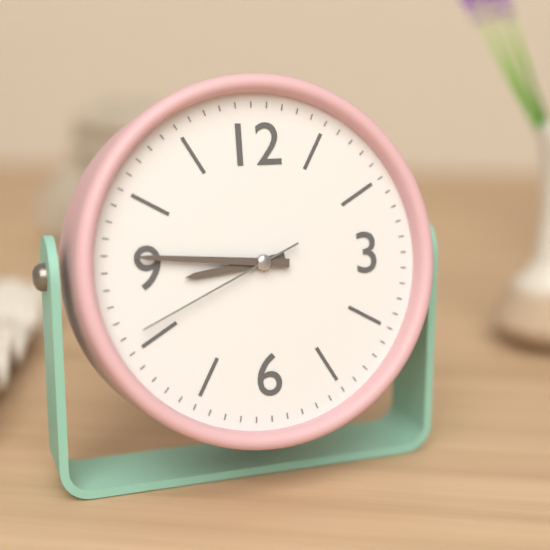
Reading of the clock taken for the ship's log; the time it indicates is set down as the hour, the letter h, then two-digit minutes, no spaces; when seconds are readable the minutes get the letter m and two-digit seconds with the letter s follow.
8h46m41s
